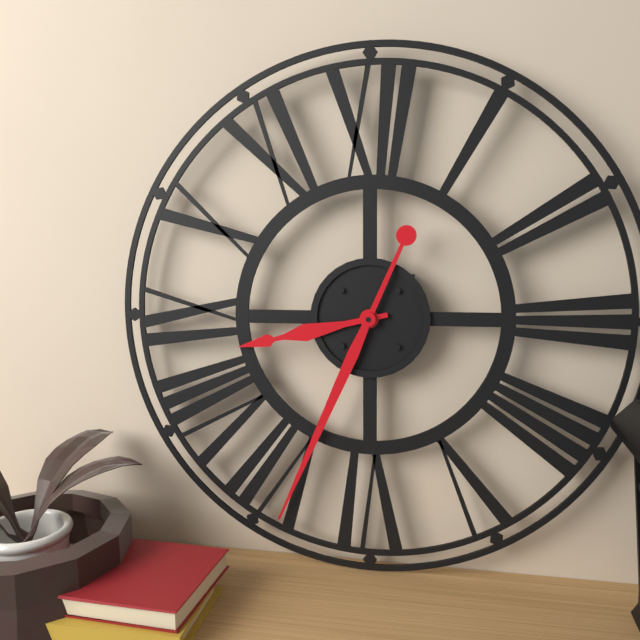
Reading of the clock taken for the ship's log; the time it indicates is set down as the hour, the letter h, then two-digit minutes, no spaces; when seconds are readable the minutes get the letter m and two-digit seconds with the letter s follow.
8h34
